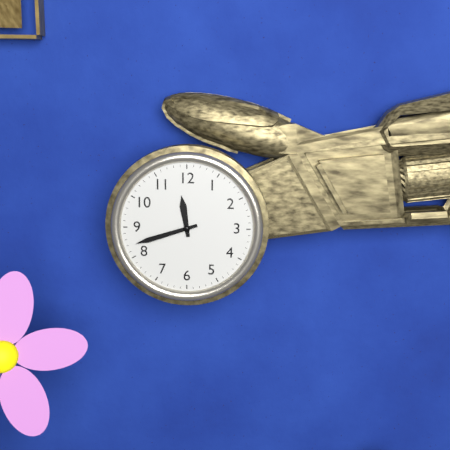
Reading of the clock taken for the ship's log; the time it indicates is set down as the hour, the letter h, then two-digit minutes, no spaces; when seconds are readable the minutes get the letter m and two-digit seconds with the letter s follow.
11h42
